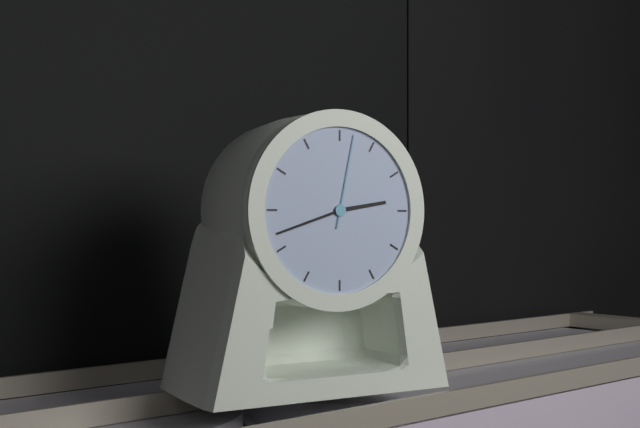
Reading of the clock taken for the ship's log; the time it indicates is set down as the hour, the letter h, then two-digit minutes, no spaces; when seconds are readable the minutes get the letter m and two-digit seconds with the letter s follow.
2h42m02s
